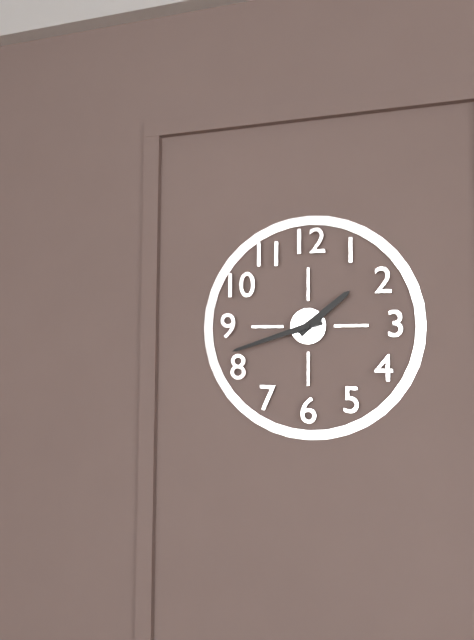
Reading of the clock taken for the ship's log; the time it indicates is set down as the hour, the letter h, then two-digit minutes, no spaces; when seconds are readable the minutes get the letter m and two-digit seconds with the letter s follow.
1h42
